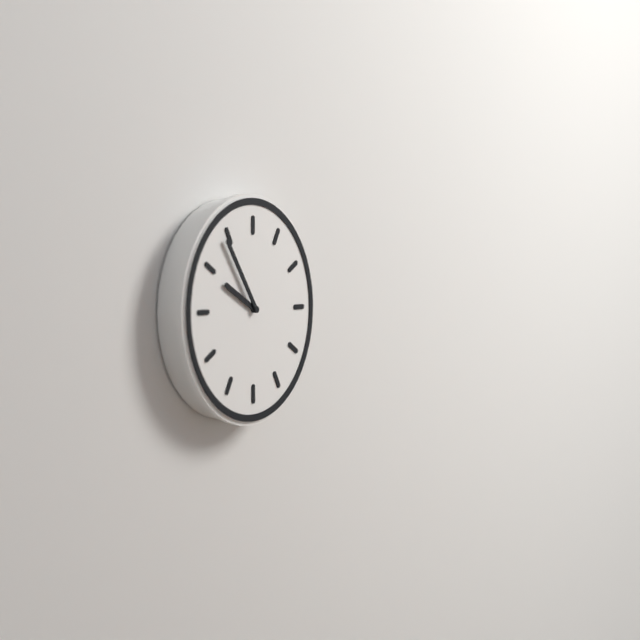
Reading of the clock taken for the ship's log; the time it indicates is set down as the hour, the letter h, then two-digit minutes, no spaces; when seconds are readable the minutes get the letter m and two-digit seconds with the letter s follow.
9h54
